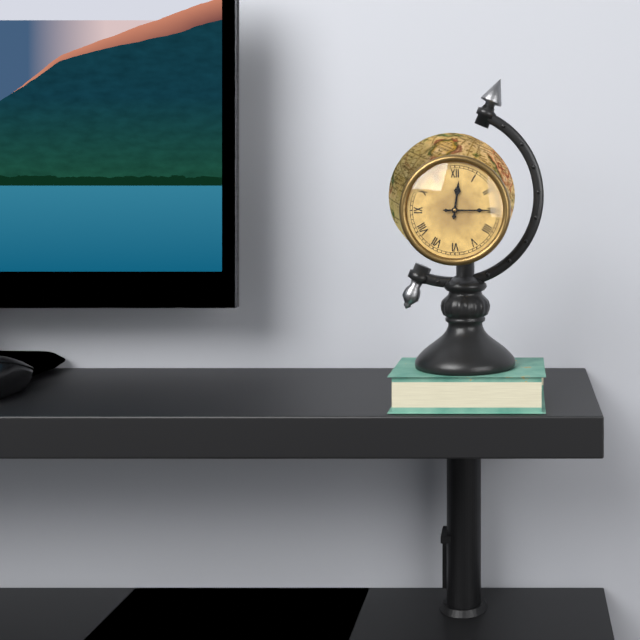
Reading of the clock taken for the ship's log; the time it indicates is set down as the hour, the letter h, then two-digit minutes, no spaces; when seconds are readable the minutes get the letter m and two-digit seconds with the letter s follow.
12h15
